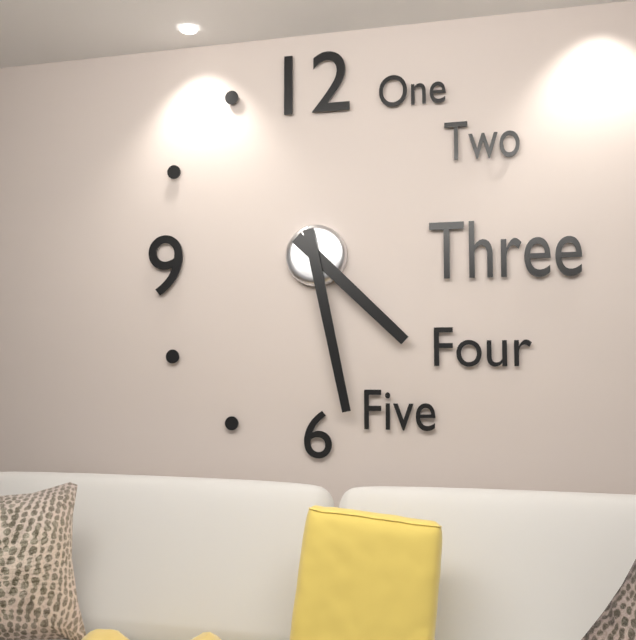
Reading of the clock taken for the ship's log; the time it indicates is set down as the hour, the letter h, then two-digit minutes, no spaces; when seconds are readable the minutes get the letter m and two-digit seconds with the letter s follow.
4h28
